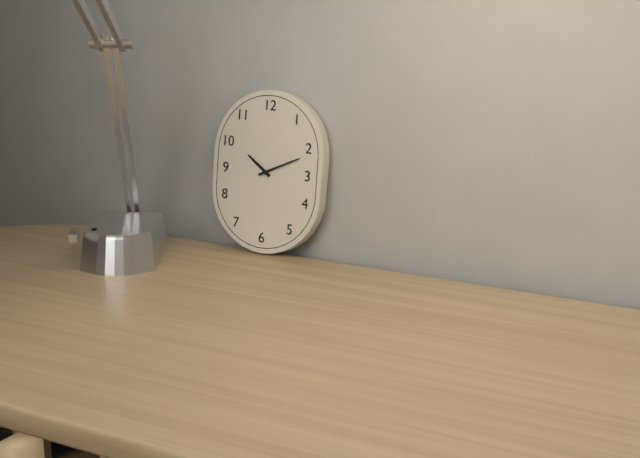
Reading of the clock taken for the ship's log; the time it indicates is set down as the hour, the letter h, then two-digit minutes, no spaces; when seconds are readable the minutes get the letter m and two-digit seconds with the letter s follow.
10h11
